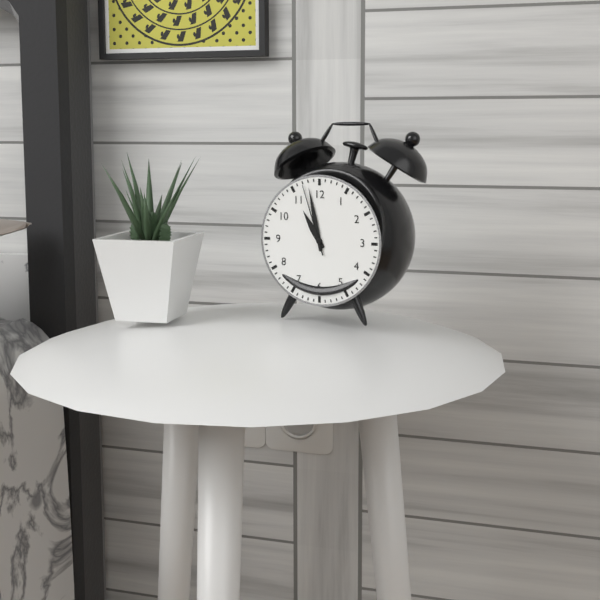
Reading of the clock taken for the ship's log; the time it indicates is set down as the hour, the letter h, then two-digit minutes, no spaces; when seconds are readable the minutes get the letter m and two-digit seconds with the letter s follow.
10h58m57s
